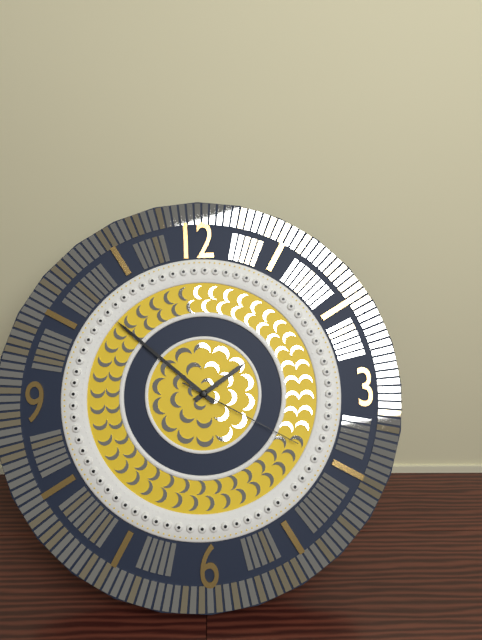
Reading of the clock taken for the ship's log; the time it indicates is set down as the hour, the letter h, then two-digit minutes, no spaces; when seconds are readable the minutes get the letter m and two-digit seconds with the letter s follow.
1h52m20s
